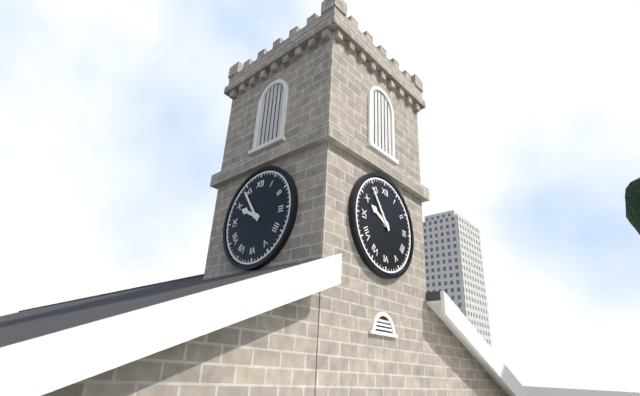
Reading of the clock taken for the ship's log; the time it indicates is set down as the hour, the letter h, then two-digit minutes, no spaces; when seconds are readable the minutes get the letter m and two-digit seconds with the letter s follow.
9h54
